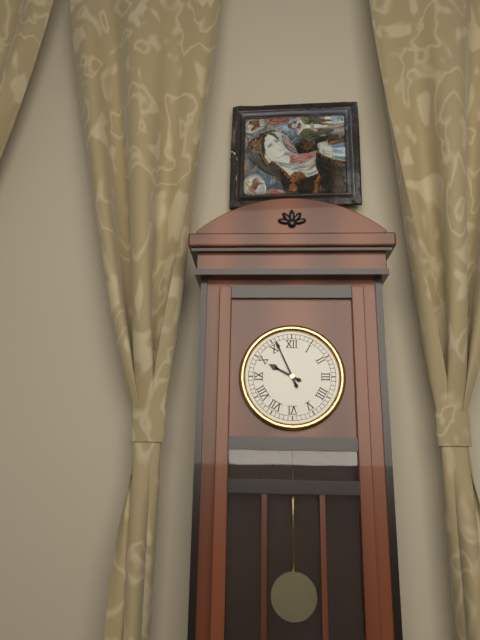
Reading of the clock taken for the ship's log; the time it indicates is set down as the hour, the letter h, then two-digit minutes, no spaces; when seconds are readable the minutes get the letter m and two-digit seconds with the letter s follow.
9h56
